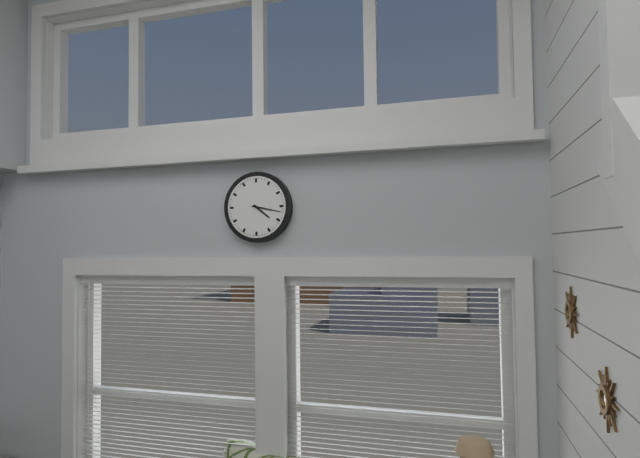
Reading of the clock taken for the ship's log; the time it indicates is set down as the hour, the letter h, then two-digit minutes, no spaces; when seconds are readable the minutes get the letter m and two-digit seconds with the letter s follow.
4h17
